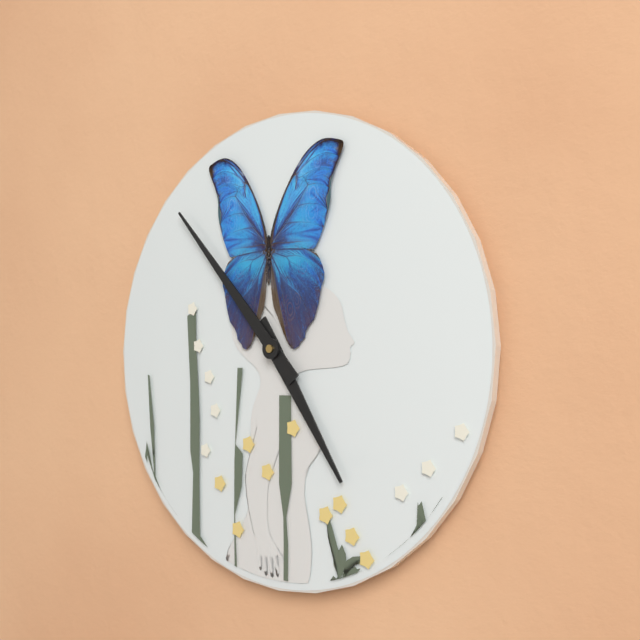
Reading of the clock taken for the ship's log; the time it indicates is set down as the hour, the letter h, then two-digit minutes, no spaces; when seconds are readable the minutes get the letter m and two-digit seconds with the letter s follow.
4h53
